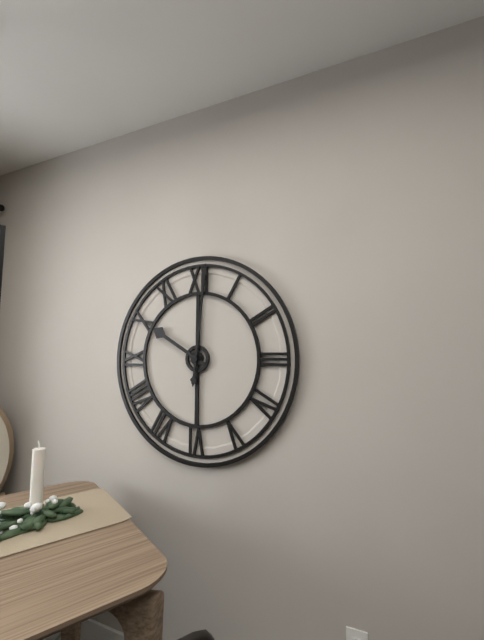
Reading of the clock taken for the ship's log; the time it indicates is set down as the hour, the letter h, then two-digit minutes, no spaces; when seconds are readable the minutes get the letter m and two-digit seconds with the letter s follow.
10h01
